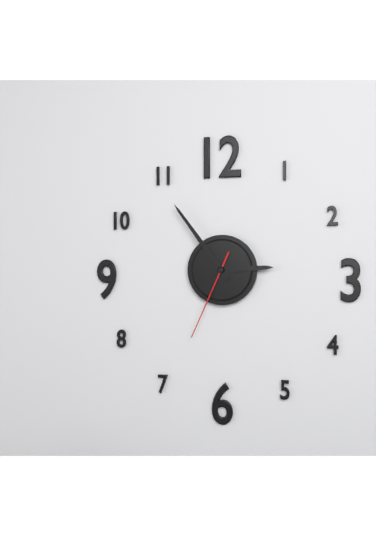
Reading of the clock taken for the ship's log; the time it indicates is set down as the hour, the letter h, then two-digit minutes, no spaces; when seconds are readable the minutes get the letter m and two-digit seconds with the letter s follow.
2h54m34s
